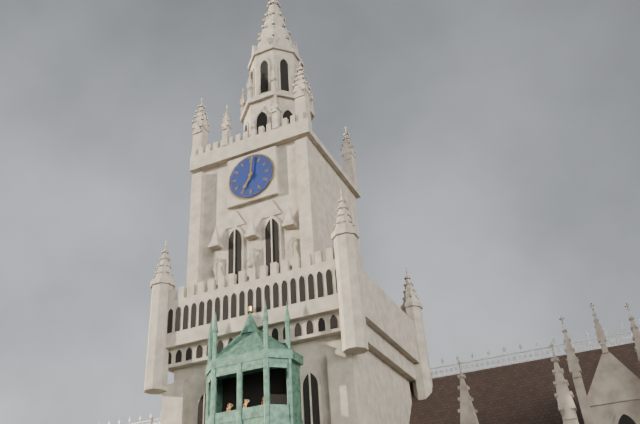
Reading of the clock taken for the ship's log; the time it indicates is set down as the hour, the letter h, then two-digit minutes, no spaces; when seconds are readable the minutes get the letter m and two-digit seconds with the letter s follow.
7h01
